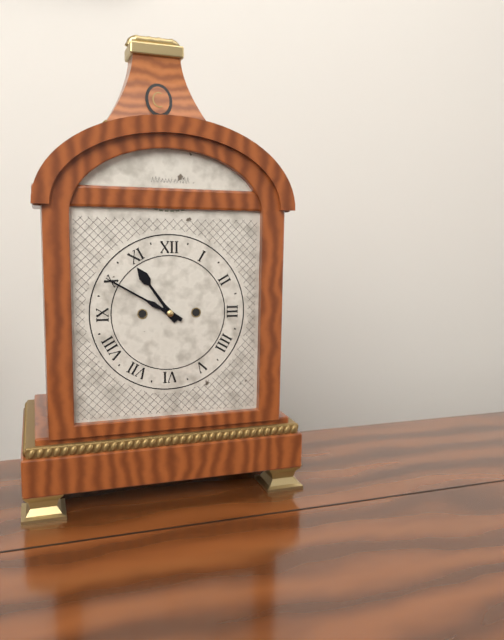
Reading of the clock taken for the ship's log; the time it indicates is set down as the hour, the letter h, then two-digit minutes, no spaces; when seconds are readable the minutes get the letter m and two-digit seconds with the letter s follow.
10h50
